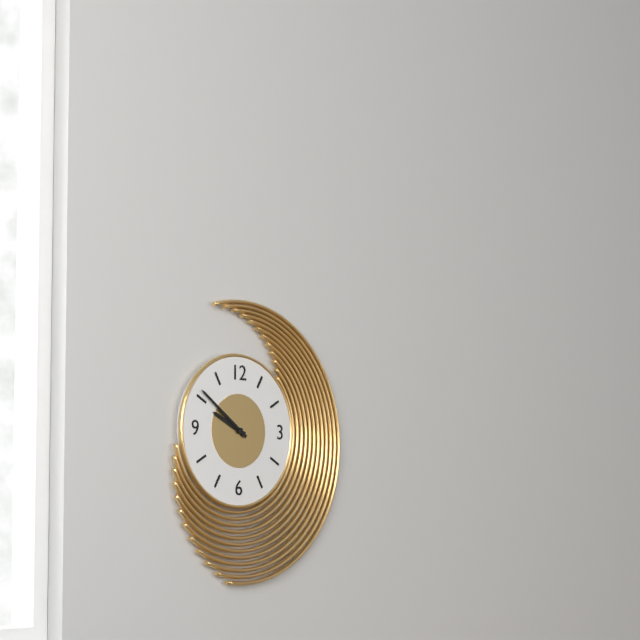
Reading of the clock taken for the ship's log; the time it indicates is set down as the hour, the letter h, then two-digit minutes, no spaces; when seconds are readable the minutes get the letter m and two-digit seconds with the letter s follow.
9h51
